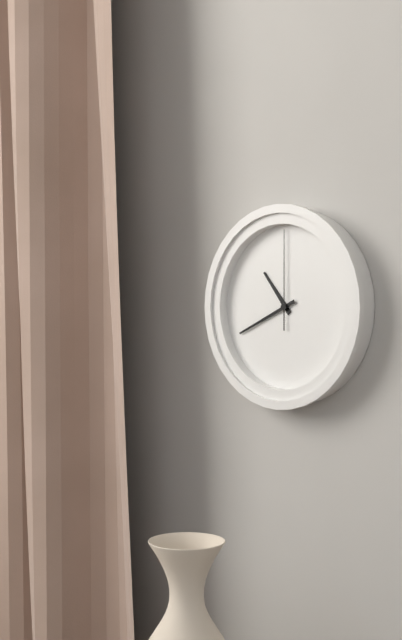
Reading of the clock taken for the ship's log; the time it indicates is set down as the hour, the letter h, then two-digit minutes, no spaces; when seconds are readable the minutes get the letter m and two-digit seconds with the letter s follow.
10h41m00s
